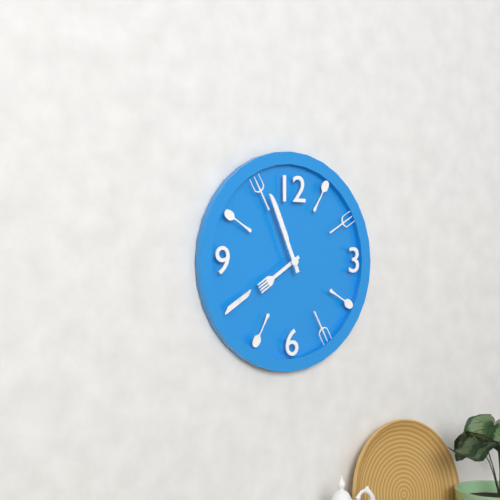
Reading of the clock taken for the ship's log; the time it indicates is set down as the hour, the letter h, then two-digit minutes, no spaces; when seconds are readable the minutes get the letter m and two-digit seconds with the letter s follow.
7h56
